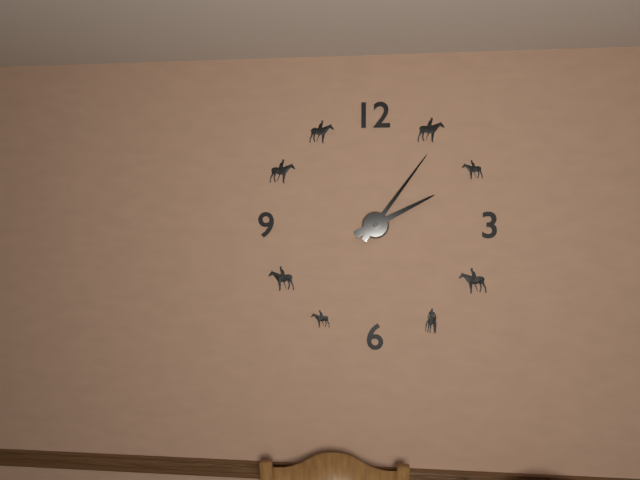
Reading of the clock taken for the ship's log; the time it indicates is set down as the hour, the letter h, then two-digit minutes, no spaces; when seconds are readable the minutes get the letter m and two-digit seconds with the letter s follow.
2h06
